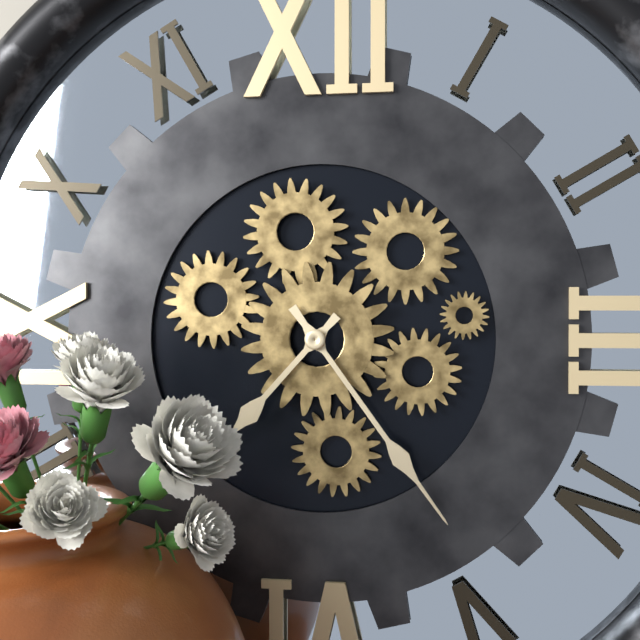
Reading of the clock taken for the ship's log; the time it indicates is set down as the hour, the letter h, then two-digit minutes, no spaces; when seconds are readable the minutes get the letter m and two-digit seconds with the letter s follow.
7h24
